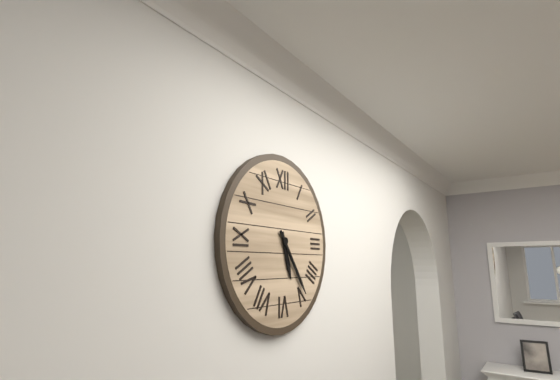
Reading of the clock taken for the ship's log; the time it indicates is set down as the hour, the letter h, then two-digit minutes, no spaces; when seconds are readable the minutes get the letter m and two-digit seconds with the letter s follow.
5h24
